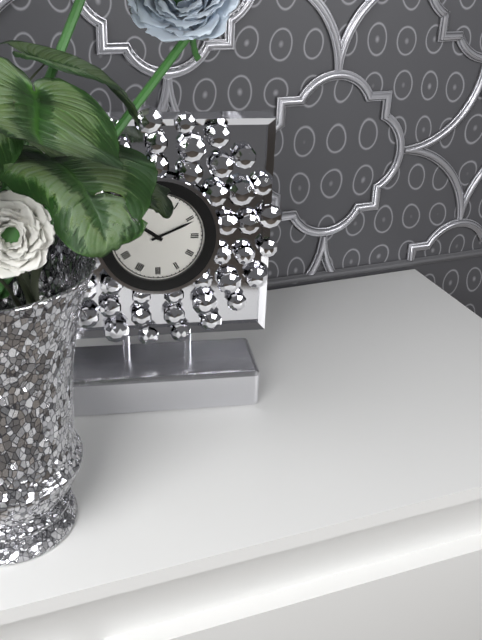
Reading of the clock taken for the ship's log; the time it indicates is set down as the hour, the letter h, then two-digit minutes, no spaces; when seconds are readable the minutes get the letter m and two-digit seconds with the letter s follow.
10h11
